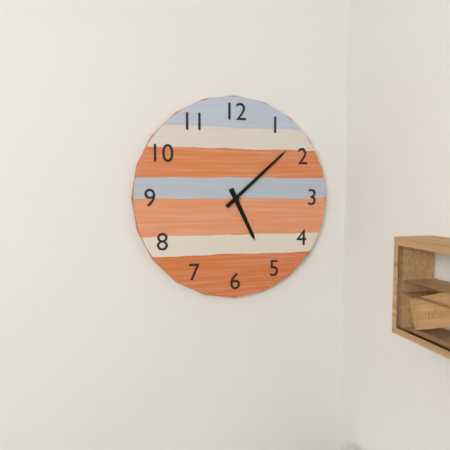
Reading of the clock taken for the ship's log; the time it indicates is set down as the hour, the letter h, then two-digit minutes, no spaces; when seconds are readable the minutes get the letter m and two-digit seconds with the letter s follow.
5h08
